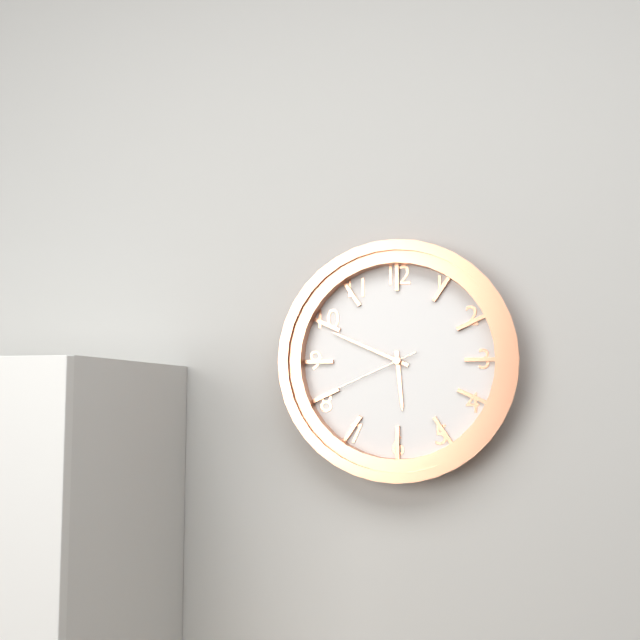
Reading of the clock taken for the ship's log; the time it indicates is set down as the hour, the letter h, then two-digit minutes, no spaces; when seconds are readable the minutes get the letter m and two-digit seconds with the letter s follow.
5h49m41s
